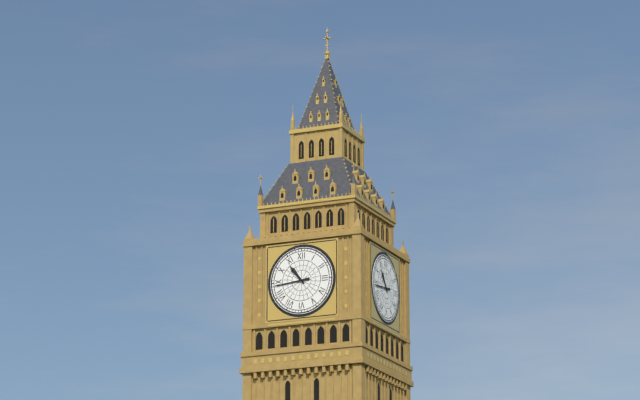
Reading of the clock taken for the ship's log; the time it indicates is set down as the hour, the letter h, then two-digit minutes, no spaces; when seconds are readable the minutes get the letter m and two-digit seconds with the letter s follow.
10h44
